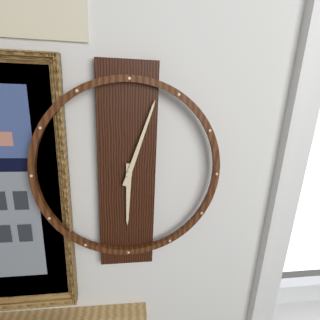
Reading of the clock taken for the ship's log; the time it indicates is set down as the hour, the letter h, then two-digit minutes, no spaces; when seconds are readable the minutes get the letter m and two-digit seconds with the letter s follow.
6h03
